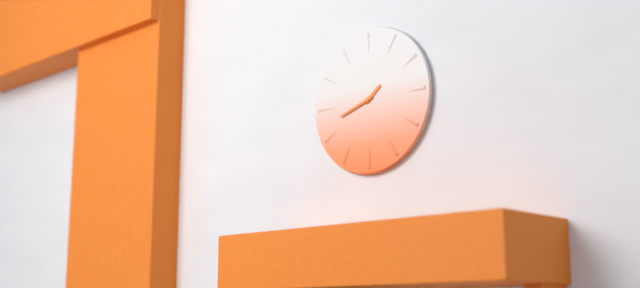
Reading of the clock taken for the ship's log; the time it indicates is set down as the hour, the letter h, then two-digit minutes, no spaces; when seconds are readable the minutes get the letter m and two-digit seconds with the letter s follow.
1h42
